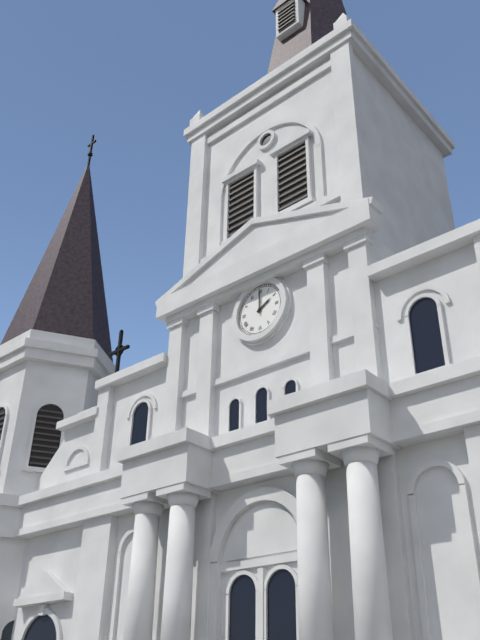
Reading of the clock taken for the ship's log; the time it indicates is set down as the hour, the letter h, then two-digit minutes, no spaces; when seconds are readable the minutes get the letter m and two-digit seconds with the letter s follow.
2h00
